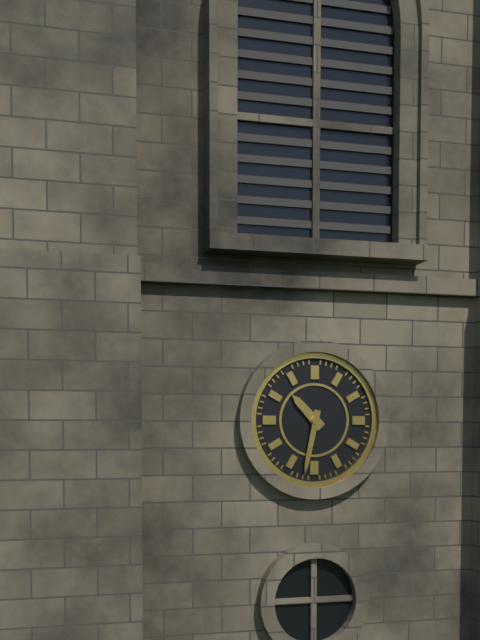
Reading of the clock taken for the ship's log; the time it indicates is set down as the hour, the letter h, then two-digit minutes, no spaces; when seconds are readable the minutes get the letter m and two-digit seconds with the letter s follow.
10h32
